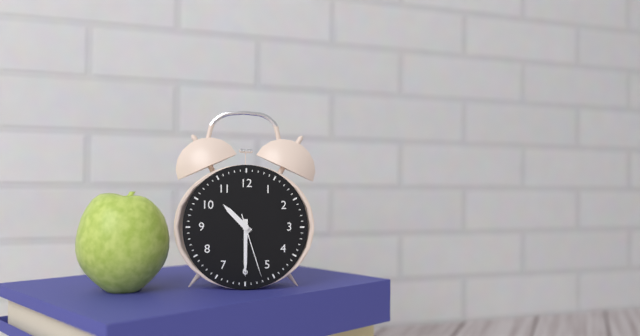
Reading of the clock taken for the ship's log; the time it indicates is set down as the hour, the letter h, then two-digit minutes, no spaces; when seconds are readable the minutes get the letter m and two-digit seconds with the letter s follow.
10h30m27s
